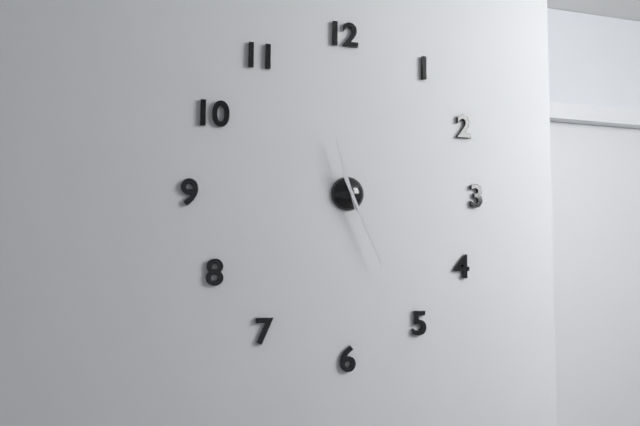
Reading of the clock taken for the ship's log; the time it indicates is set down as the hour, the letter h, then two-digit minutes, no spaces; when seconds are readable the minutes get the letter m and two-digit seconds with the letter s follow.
11h26
